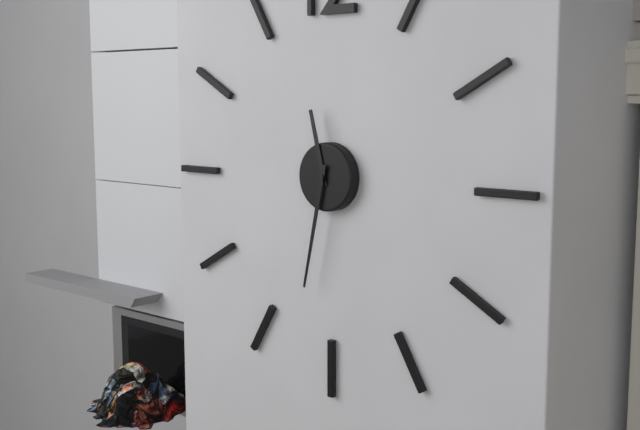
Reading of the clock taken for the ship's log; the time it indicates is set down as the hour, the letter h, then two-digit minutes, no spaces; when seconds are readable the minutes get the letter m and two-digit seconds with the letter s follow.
11h32
